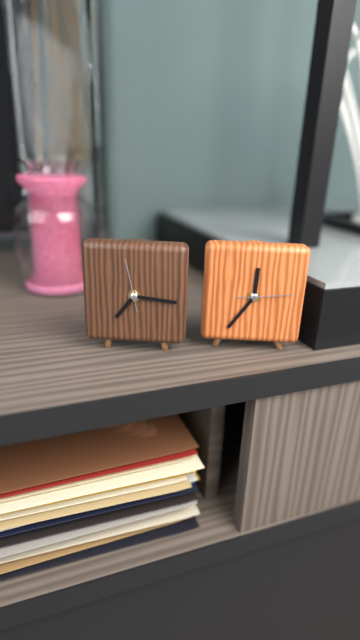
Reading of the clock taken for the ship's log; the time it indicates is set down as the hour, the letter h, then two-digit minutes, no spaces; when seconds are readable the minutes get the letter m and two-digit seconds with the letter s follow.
7h16
